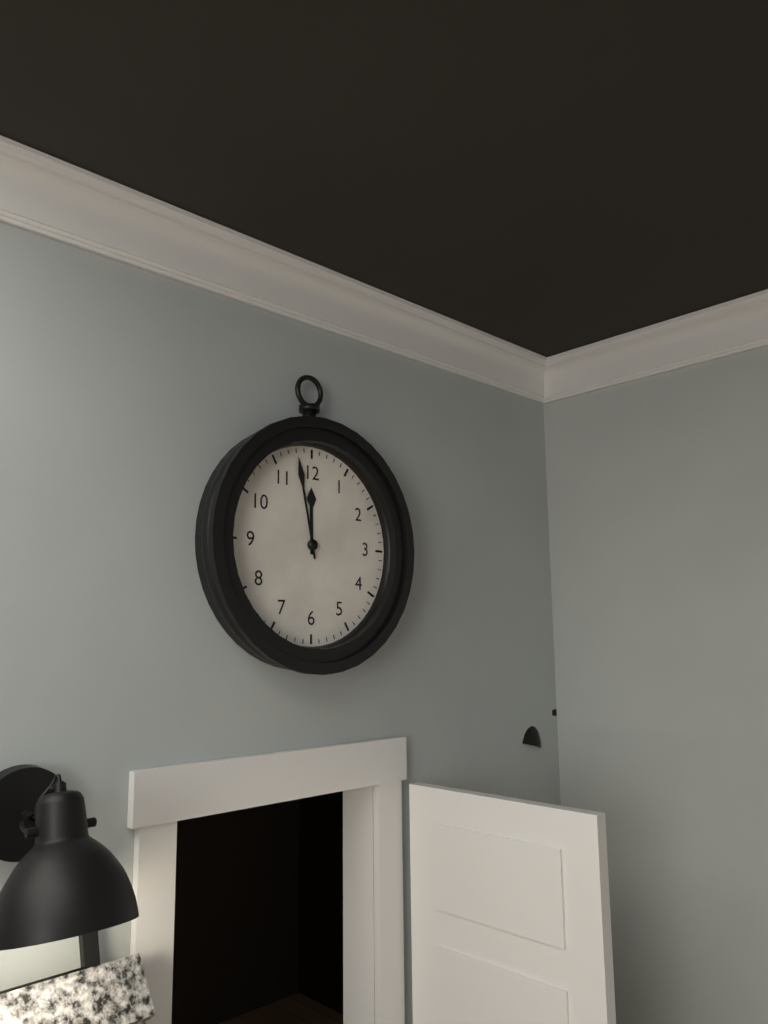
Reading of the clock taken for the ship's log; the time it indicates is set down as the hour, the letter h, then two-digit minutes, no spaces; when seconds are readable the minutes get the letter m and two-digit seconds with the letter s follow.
11h58
